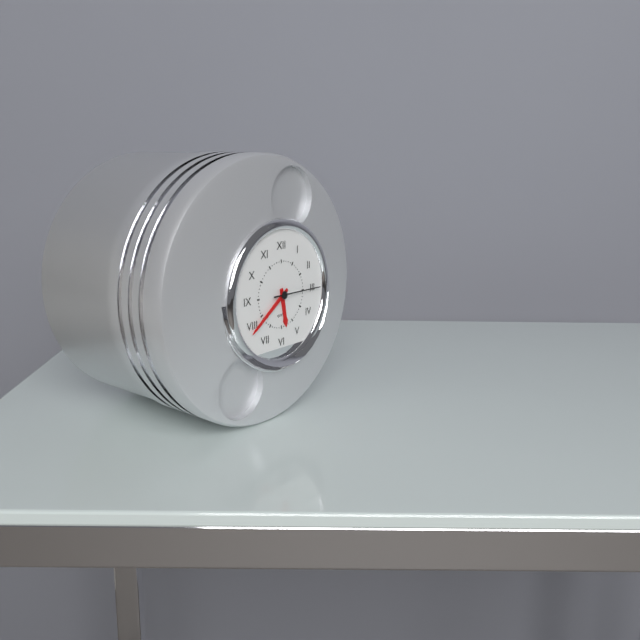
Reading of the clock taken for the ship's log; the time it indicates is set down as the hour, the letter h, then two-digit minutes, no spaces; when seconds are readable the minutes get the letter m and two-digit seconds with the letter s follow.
5h39m15s
